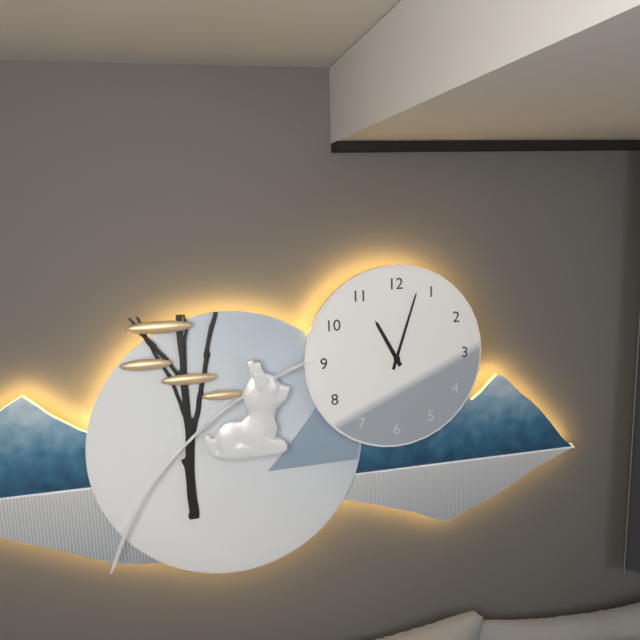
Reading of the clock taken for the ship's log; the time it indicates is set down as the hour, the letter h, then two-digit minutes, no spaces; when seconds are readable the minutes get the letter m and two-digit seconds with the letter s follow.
11h03
